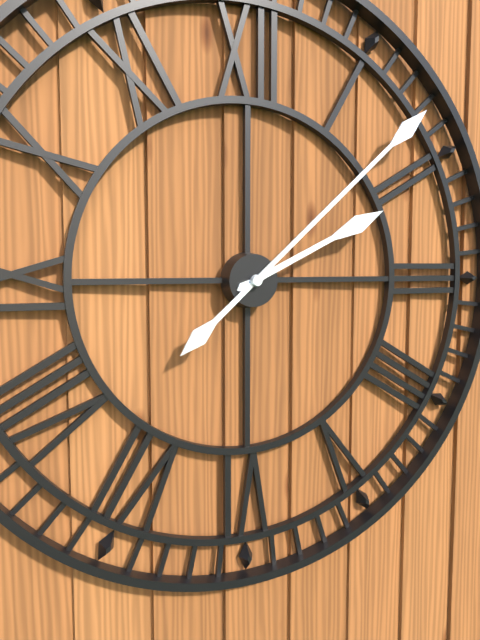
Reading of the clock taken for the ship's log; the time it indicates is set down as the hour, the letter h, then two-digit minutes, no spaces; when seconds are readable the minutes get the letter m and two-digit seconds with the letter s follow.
2h08
